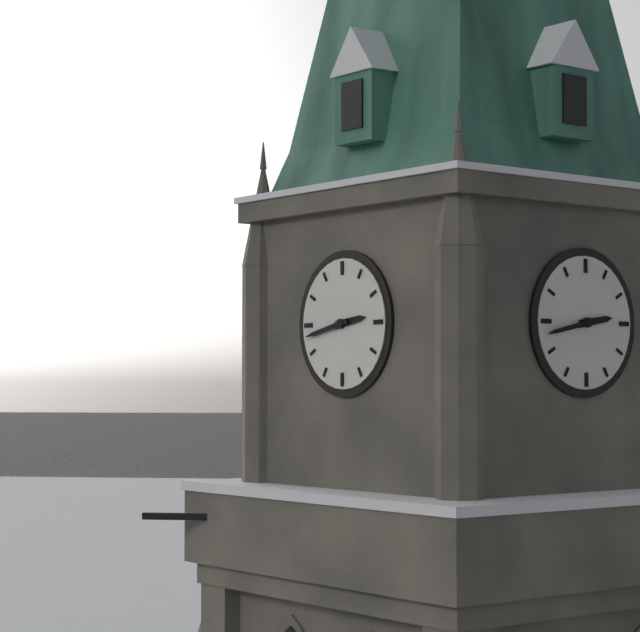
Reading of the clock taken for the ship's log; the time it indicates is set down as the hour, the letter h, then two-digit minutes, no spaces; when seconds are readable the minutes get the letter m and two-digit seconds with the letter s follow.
2h43
